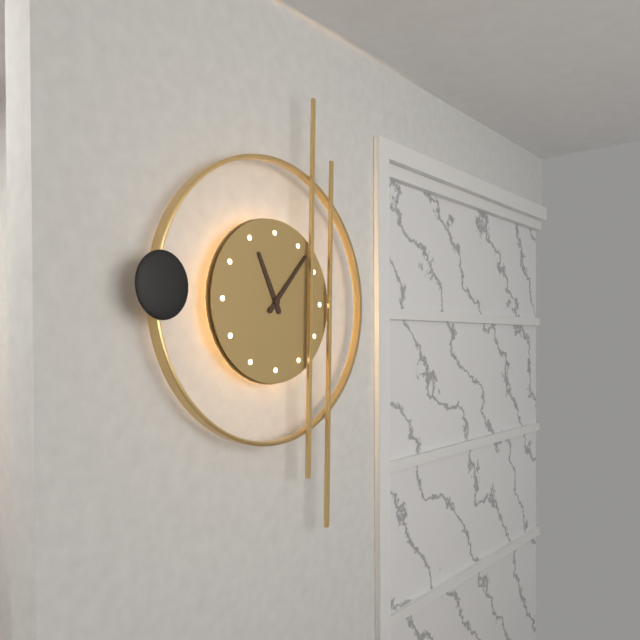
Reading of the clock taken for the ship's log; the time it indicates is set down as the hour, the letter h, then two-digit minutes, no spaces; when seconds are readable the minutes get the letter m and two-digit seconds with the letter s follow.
11h07
